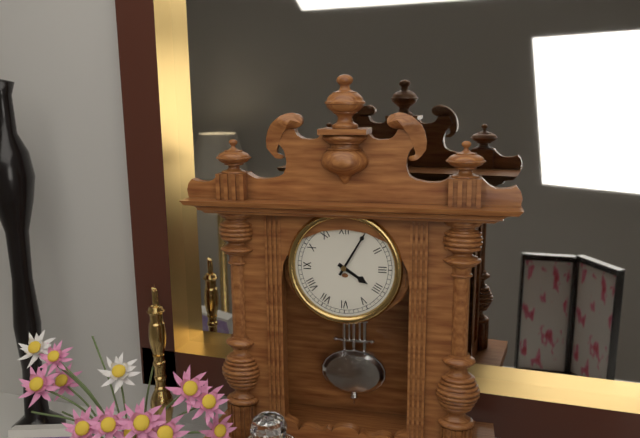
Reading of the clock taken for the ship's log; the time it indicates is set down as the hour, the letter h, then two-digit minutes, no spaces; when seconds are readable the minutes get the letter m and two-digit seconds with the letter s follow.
4h05
